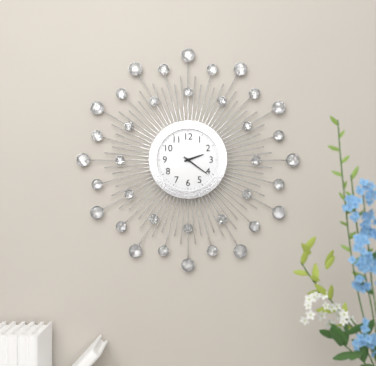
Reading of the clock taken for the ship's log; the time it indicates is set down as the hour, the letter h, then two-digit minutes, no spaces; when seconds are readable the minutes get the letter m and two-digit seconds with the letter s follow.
2h21
